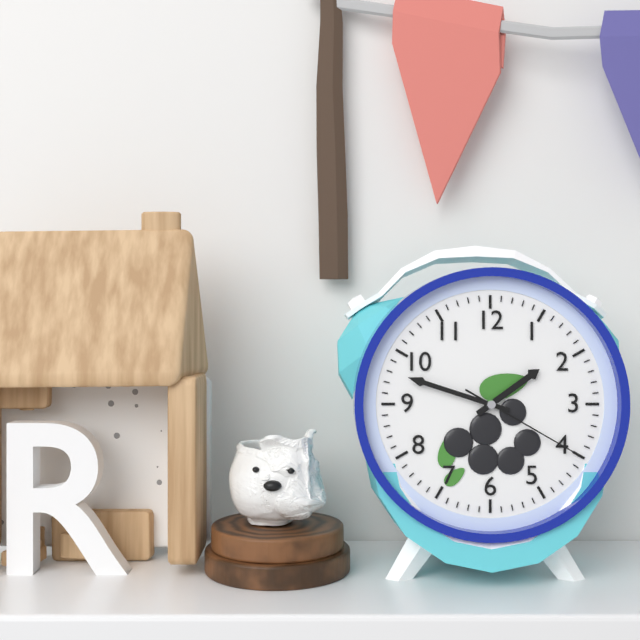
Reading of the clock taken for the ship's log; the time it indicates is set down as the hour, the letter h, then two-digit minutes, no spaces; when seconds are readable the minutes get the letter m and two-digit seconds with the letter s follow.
1h48m20s
